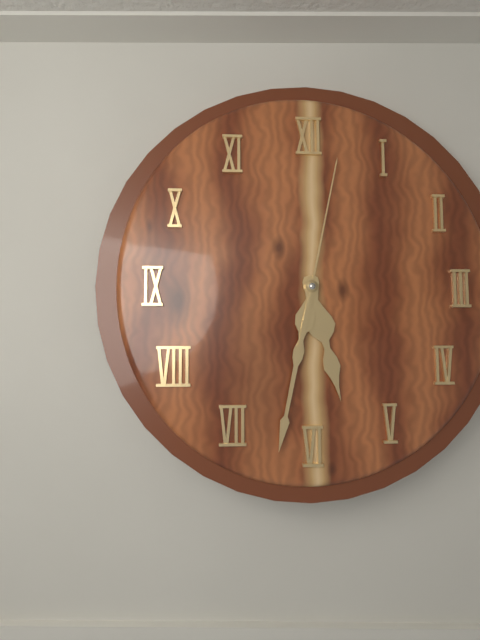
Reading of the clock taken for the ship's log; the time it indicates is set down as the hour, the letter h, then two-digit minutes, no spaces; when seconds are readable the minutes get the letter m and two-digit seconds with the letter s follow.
5h32m02s
